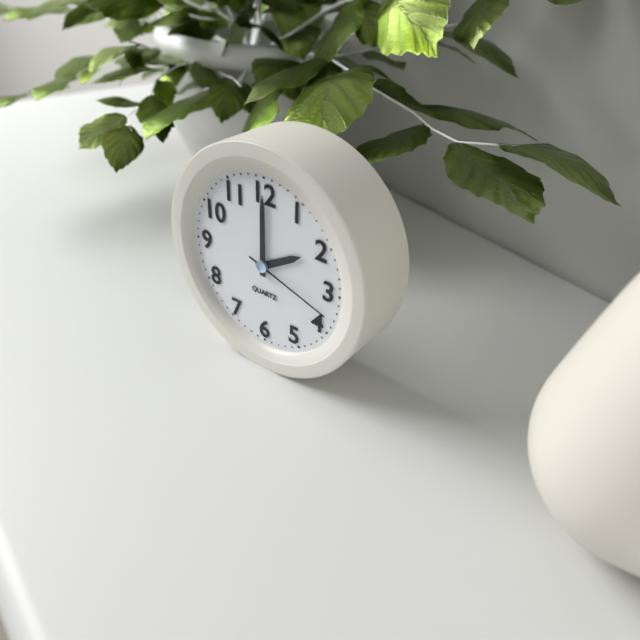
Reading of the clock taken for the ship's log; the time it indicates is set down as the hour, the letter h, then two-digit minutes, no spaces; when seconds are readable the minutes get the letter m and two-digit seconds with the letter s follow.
2h00m18s
